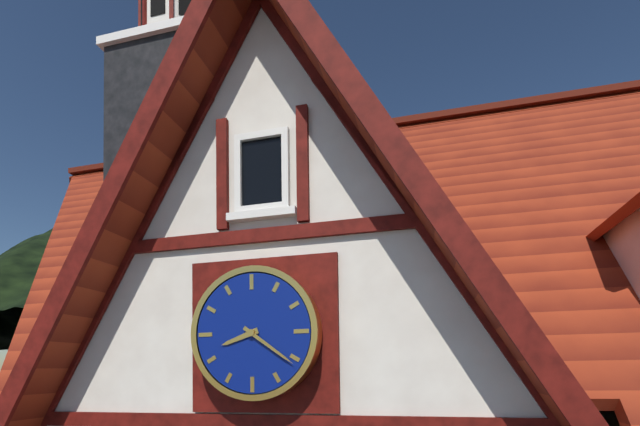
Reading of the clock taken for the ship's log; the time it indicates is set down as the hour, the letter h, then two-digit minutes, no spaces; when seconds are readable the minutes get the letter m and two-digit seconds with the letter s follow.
8h21
